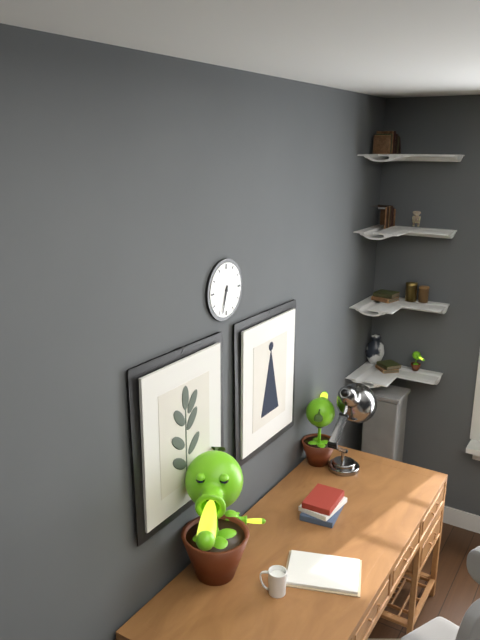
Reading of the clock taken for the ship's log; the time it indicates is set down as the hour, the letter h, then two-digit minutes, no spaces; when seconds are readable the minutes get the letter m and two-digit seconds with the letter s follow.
6h33
